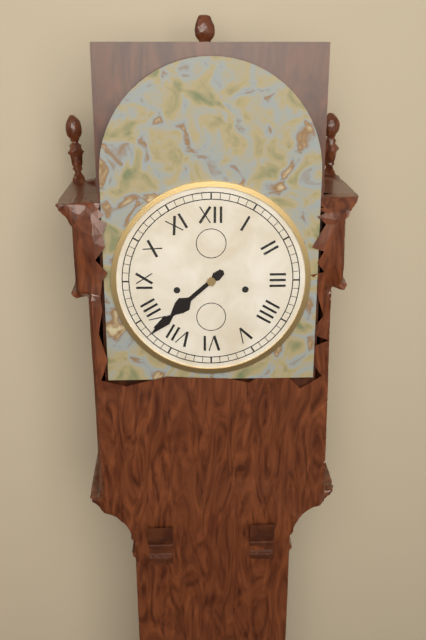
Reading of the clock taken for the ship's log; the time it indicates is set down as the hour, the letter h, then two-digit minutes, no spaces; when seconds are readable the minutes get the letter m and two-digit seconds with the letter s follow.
7h38
